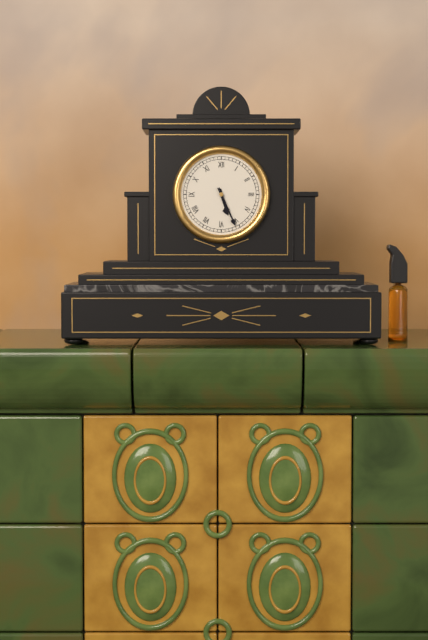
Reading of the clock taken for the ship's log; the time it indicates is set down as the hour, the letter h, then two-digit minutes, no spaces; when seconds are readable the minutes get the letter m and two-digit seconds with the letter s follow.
5h26
